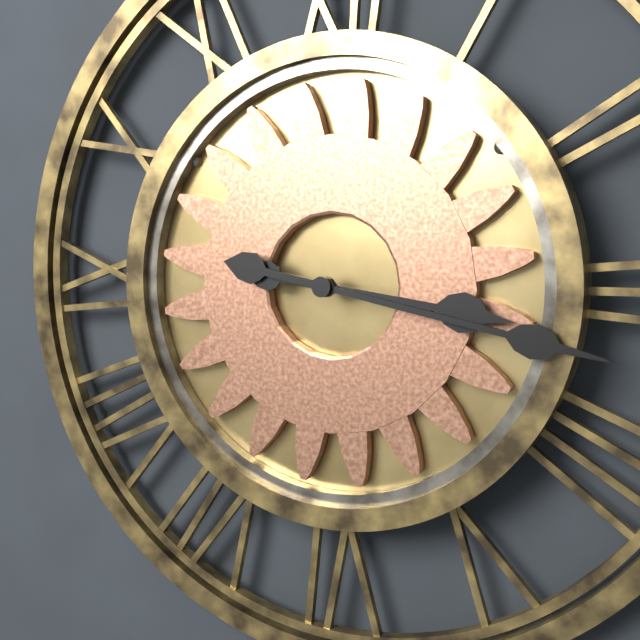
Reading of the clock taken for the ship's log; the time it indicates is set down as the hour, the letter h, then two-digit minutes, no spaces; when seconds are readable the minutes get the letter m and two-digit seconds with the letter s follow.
3h17
